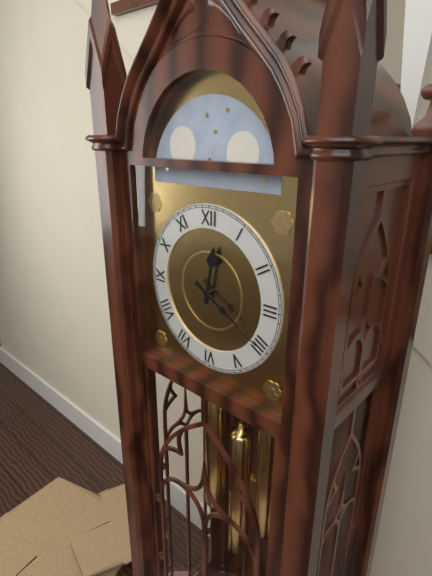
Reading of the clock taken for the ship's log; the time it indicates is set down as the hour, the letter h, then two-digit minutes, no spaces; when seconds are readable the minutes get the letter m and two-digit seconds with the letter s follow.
12h20
